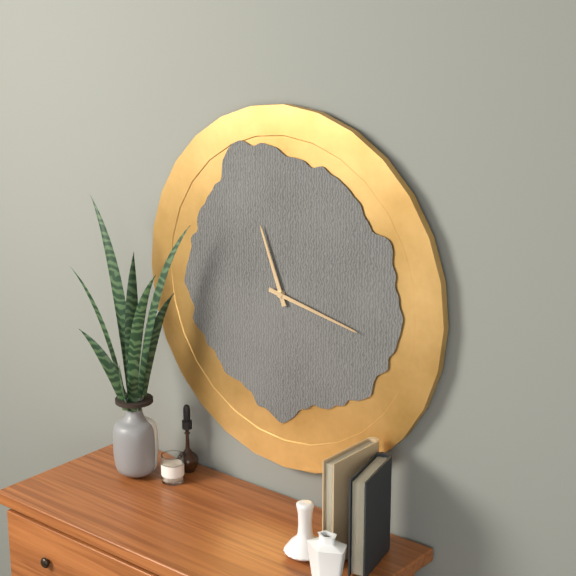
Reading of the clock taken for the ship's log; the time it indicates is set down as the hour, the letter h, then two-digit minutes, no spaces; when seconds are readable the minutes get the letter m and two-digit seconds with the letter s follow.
11h17
